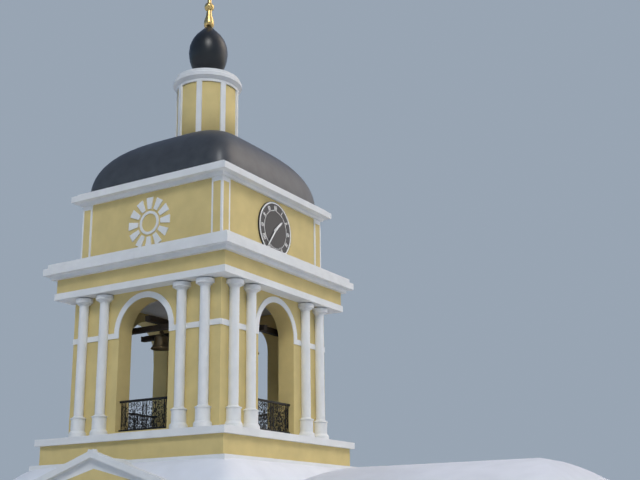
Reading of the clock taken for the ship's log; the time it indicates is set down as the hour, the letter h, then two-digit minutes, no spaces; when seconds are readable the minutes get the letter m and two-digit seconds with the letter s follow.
1h36
